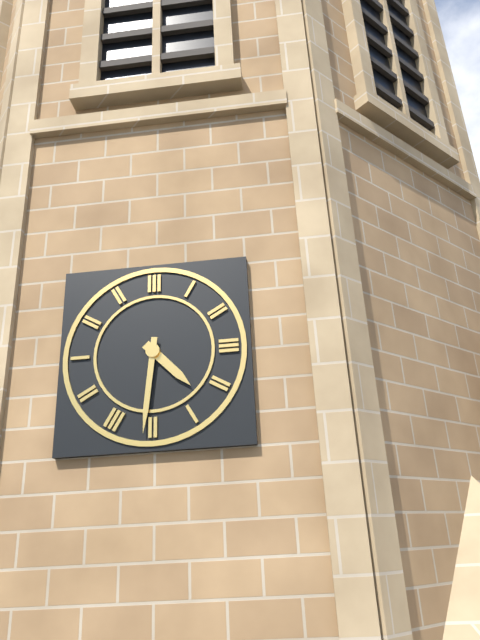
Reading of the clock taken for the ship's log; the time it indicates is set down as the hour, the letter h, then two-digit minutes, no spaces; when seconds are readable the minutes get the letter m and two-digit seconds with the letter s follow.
4h31
